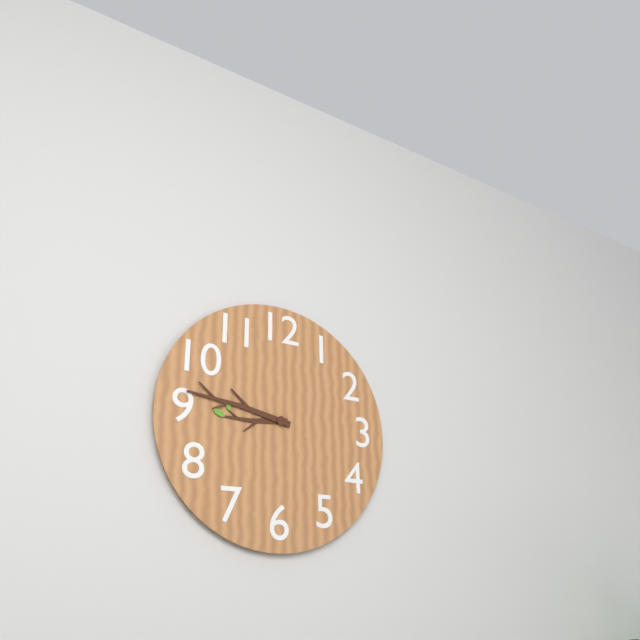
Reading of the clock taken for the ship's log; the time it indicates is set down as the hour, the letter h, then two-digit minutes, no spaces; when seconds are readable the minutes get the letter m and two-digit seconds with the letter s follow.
8h47
